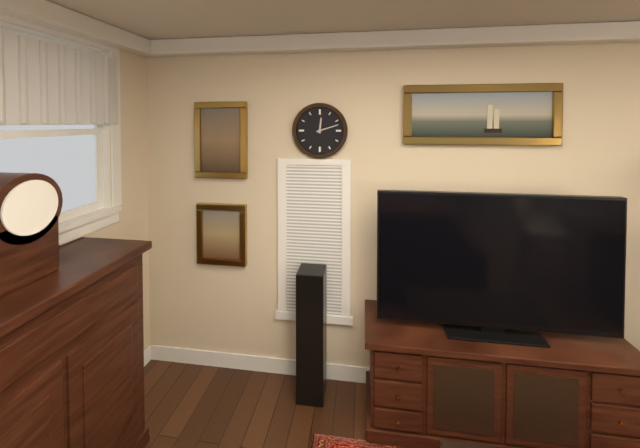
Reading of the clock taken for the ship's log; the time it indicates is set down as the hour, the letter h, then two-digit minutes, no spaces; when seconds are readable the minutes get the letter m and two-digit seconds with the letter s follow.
12h12
